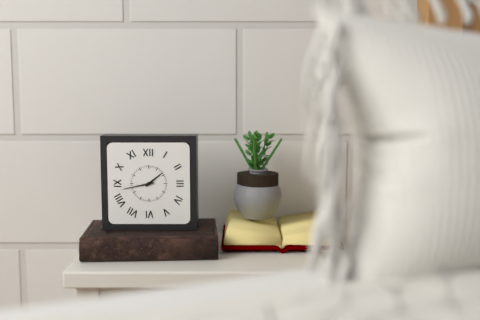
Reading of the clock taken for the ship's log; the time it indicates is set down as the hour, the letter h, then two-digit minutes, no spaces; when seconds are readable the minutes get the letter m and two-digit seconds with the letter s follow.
1h43
